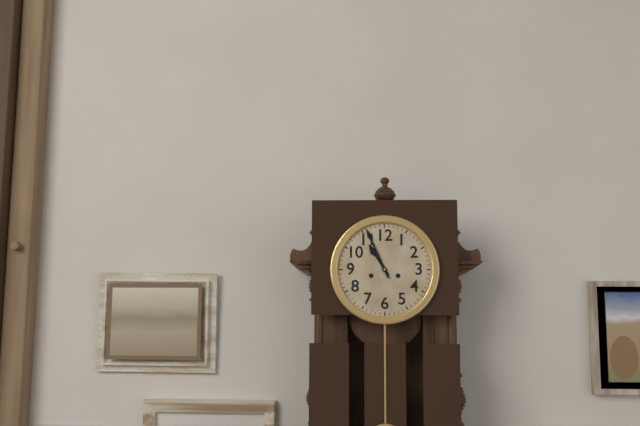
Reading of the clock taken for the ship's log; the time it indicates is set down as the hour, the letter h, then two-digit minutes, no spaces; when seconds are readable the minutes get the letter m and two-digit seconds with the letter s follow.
10h56
